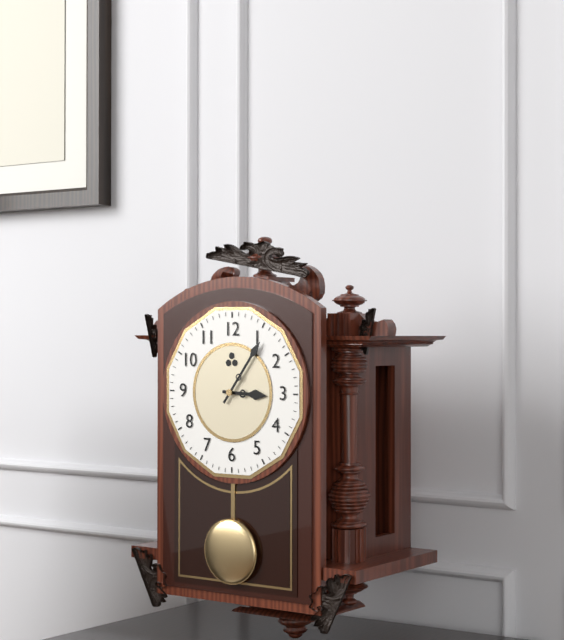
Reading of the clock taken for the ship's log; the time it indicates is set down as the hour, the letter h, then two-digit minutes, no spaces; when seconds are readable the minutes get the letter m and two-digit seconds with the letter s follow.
3h06
